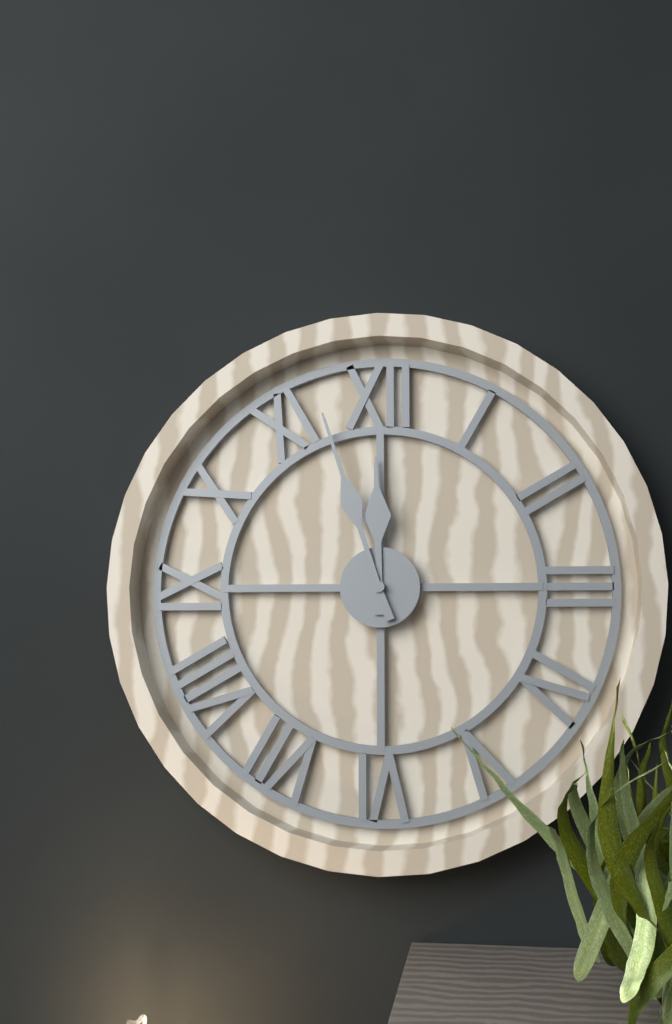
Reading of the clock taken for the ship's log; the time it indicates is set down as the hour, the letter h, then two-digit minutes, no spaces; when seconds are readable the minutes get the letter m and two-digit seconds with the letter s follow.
11h57
